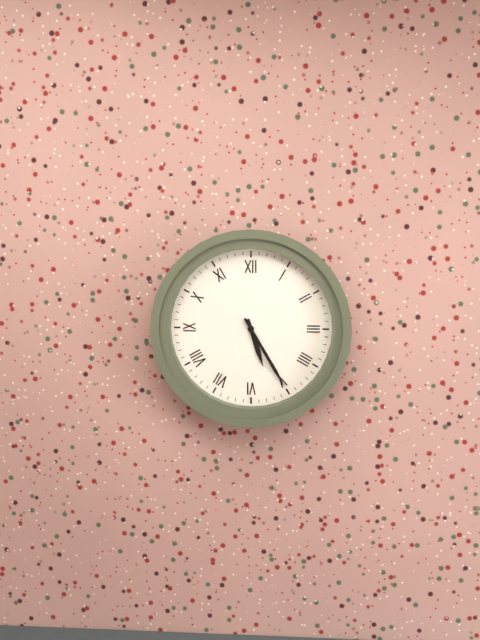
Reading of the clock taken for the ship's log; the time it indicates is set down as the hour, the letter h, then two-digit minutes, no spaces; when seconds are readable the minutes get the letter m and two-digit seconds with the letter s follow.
5h25
